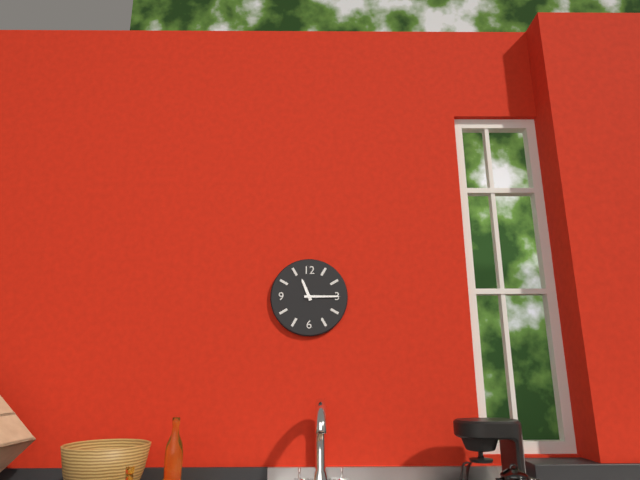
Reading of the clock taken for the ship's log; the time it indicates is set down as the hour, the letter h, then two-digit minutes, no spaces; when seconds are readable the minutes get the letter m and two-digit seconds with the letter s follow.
11h15
